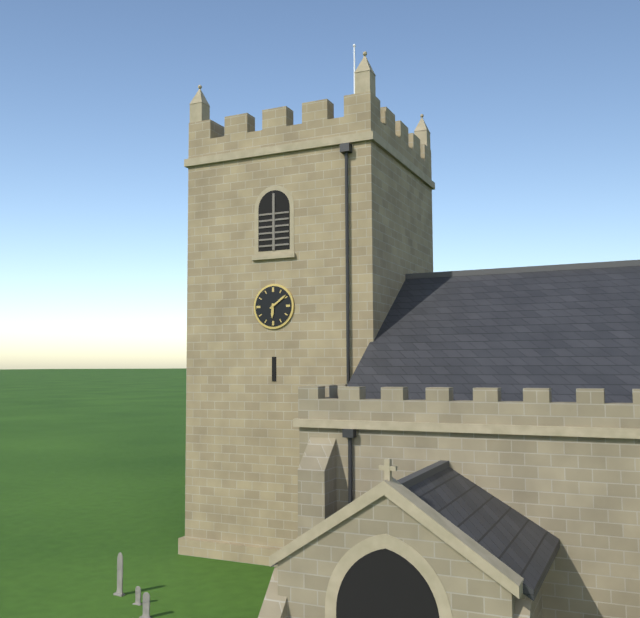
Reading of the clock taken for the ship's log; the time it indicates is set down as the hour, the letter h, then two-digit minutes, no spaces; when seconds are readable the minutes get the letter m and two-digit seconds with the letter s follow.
6h09
